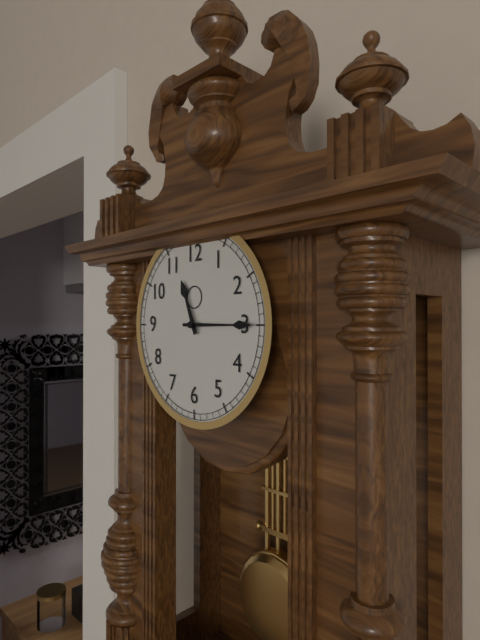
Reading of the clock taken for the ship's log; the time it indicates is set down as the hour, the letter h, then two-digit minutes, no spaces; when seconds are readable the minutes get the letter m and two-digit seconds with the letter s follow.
11h15
